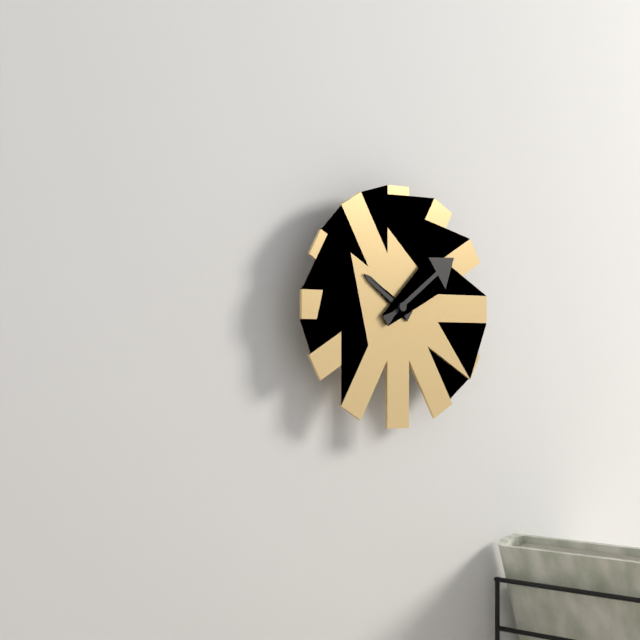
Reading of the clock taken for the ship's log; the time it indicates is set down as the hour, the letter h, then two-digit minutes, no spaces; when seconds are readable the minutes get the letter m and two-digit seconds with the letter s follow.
10h09
